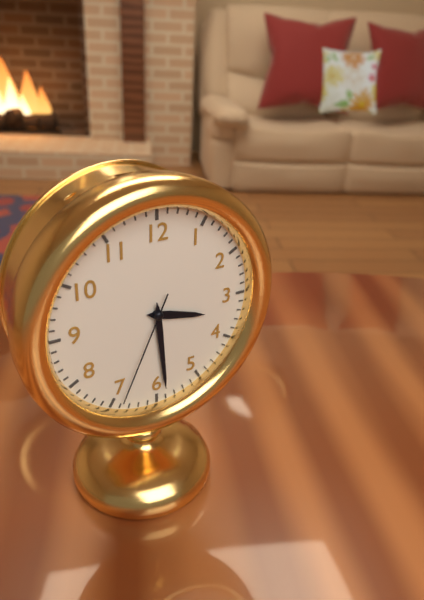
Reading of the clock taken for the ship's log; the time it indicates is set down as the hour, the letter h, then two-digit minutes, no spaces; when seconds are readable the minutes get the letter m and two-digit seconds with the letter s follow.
3h29m34s
